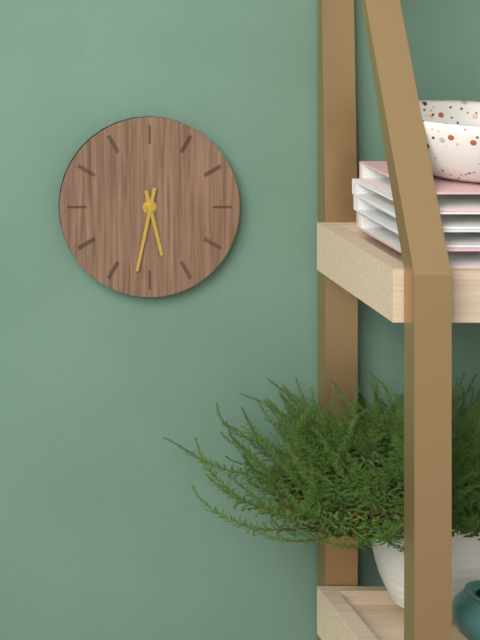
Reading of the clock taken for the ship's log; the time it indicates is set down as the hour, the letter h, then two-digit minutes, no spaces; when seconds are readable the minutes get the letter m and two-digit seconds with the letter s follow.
5h32
